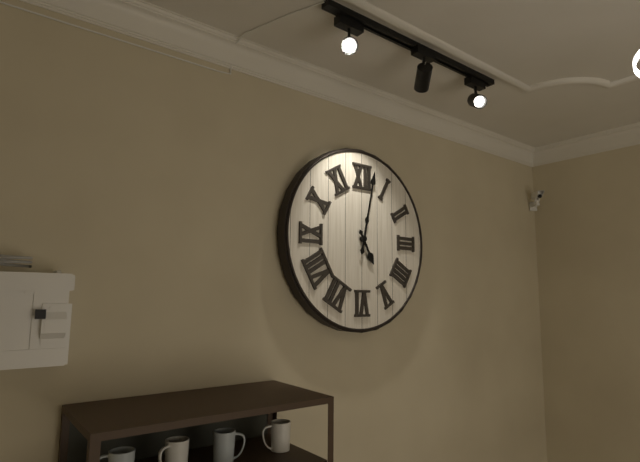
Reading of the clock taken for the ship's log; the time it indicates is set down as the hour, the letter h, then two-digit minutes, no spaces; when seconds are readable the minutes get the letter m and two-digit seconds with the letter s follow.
5h02
